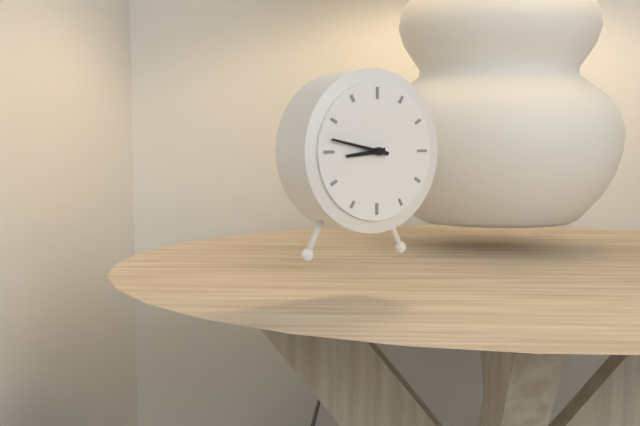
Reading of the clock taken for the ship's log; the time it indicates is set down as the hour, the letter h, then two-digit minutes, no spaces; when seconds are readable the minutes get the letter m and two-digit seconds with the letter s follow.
8h47
